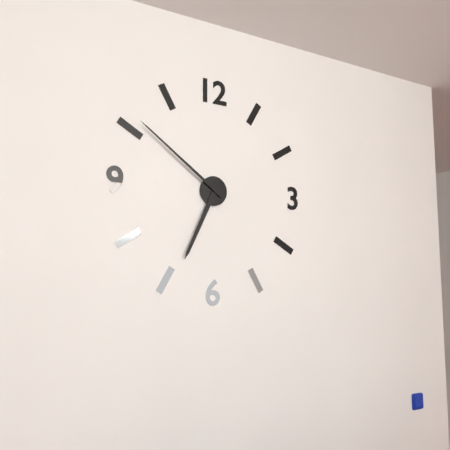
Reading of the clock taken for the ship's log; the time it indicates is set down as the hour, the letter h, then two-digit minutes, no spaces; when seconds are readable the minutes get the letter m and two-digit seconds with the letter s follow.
6h51
